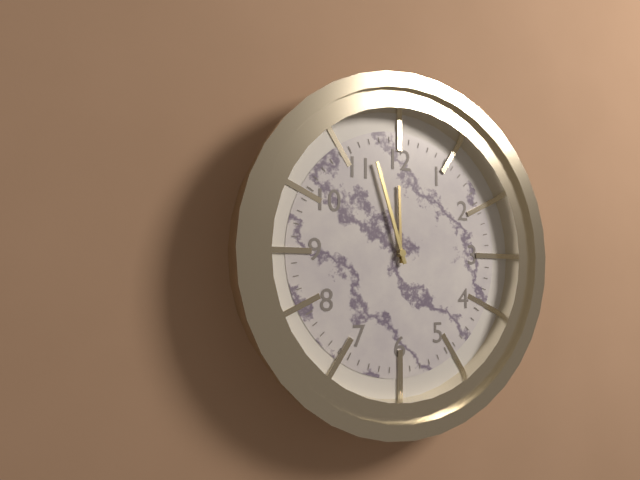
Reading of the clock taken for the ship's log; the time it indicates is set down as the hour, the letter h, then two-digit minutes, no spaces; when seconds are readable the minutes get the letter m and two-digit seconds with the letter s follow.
11h57
